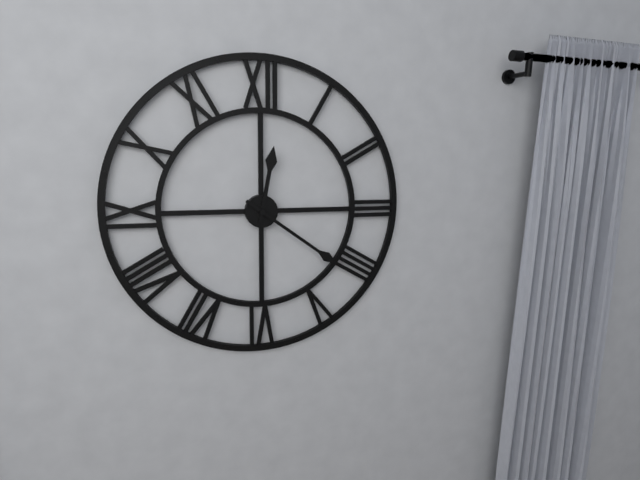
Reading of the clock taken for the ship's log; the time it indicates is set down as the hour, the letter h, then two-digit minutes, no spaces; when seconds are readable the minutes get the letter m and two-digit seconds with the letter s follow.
12h21
